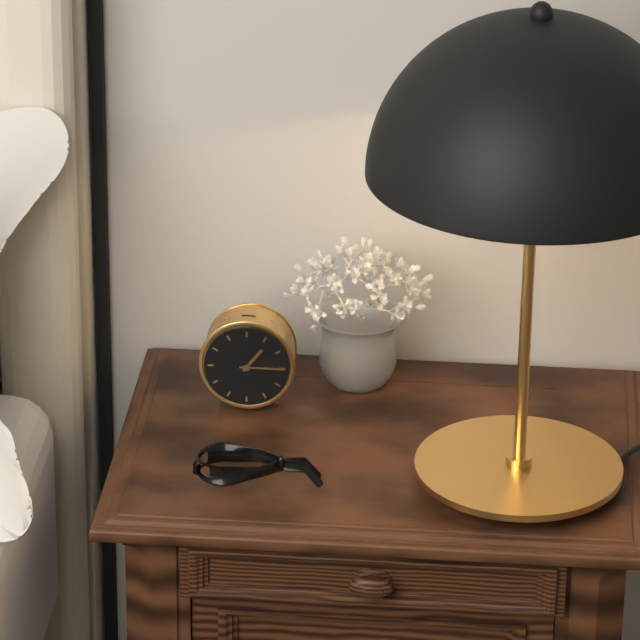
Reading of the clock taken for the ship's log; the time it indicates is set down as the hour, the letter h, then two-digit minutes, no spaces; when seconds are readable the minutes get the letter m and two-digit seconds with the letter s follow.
1h15
